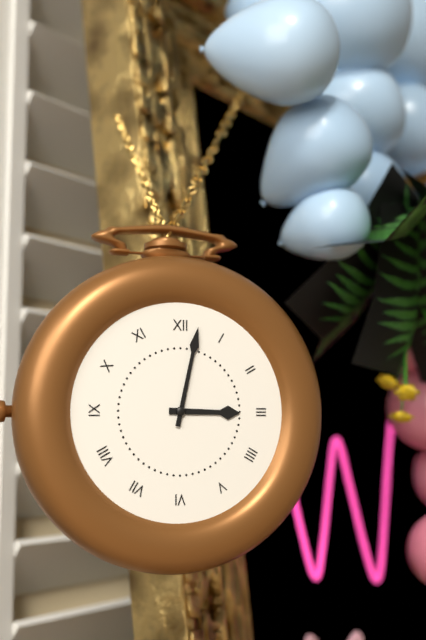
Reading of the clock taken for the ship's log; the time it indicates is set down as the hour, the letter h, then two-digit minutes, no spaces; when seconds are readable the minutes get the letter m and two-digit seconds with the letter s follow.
3h02
